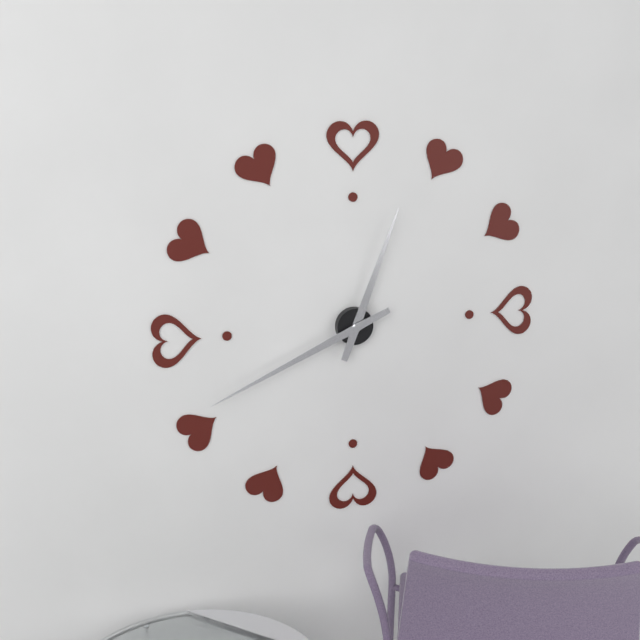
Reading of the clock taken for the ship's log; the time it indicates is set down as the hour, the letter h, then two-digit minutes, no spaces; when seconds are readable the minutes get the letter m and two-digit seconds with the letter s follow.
12h41
